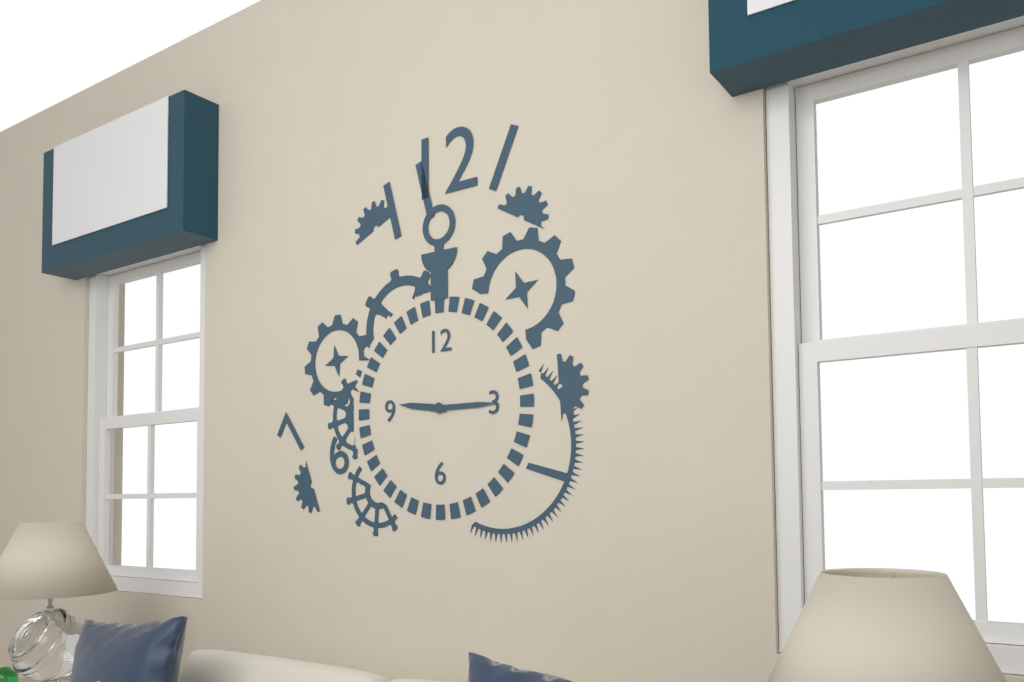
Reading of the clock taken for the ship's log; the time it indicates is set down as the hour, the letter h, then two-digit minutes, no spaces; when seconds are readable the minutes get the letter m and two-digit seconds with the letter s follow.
9h15
